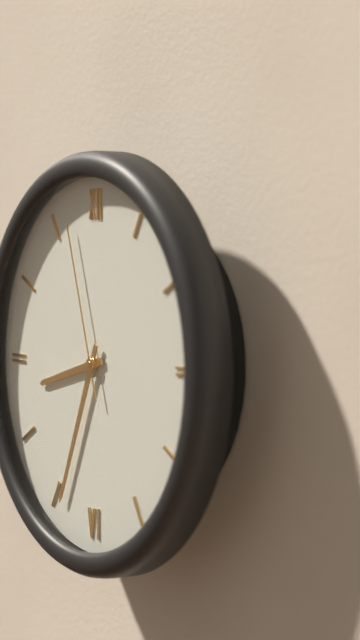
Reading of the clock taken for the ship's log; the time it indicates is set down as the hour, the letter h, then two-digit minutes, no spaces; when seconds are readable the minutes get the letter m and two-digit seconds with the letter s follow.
8h34m57s
